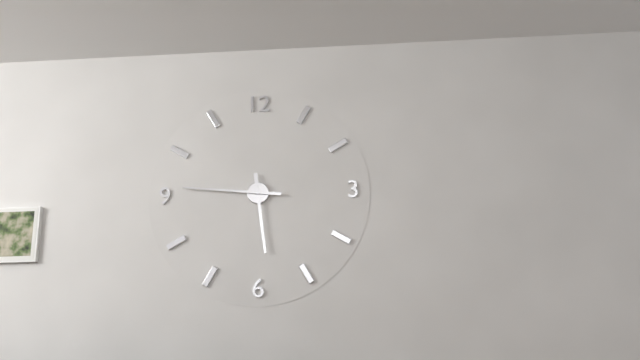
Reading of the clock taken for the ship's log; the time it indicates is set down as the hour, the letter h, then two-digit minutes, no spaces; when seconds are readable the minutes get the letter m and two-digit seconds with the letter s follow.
5h46
